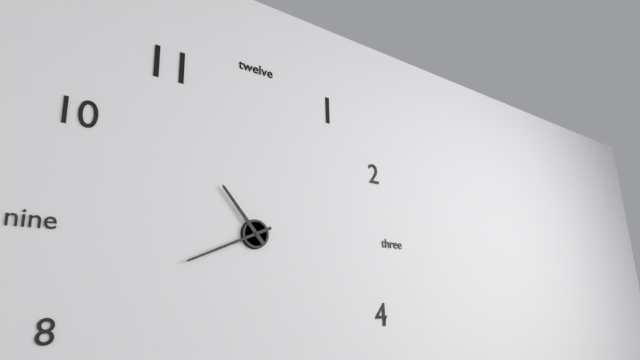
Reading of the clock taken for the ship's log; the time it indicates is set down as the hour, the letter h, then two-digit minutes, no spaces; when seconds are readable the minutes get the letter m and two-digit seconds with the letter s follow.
10h41
